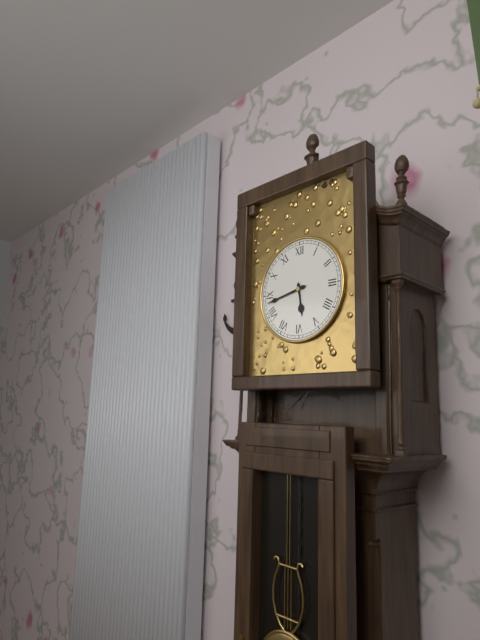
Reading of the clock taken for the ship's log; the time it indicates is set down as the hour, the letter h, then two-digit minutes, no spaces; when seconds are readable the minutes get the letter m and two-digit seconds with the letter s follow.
5h43
